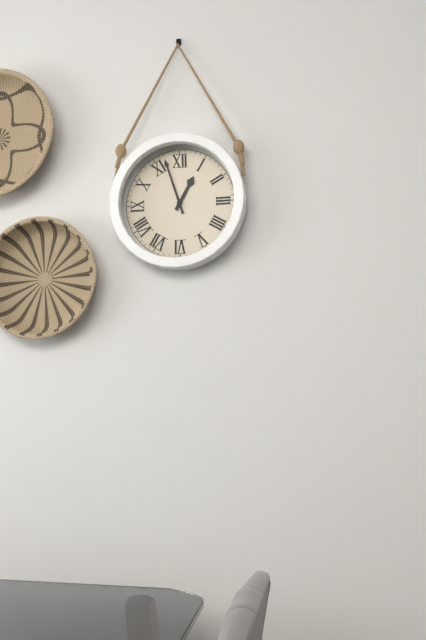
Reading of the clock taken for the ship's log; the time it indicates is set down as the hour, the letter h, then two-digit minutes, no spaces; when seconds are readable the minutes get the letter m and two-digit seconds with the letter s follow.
12h57
